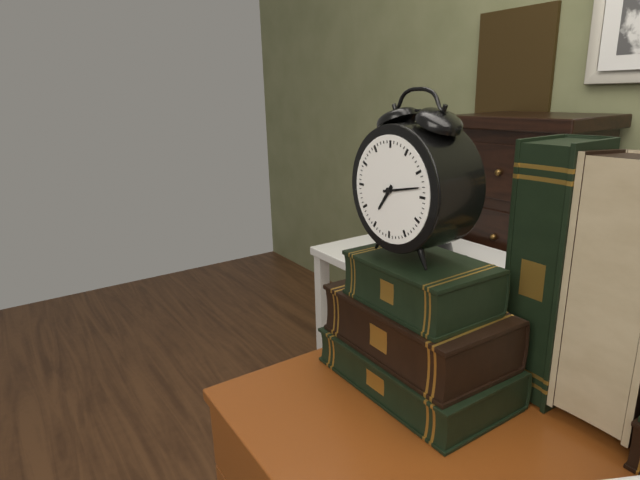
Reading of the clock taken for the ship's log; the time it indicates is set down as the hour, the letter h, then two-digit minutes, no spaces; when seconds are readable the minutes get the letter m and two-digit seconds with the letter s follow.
7h13
